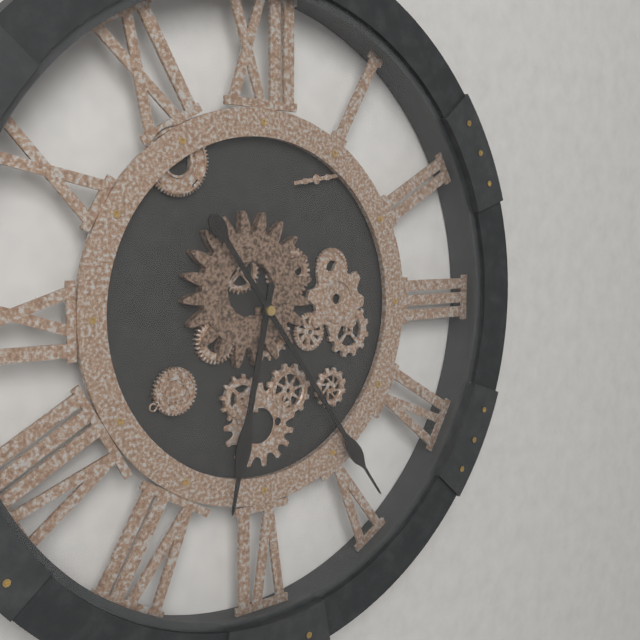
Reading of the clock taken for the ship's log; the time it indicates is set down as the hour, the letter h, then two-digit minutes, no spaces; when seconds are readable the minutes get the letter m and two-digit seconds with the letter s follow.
6h24
